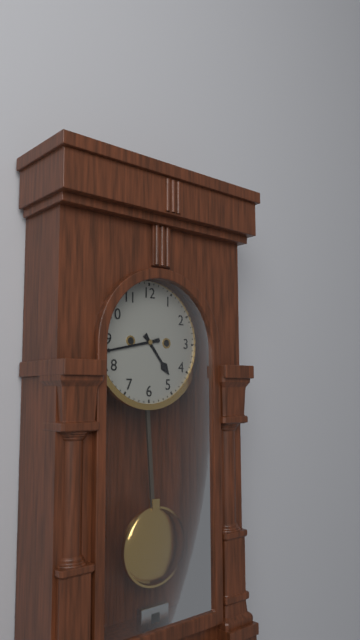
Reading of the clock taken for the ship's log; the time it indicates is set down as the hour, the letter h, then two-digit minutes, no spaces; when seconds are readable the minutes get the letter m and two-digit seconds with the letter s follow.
4h43
